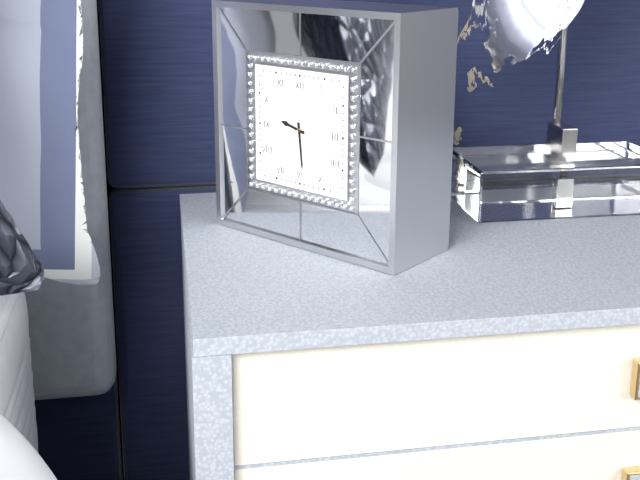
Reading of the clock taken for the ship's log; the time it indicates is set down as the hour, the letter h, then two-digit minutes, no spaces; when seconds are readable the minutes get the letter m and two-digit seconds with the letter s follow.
9h29
